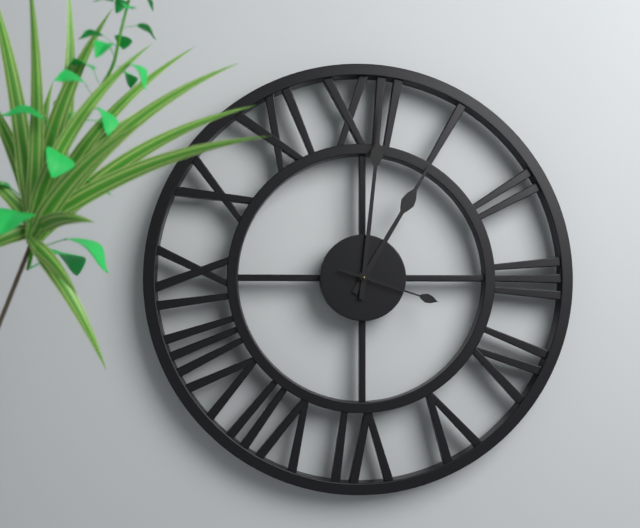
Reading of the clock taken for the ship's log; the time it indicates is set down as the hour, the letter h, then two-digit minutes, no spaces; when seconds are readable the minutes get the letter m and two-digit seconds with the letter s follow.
1h01m18s
